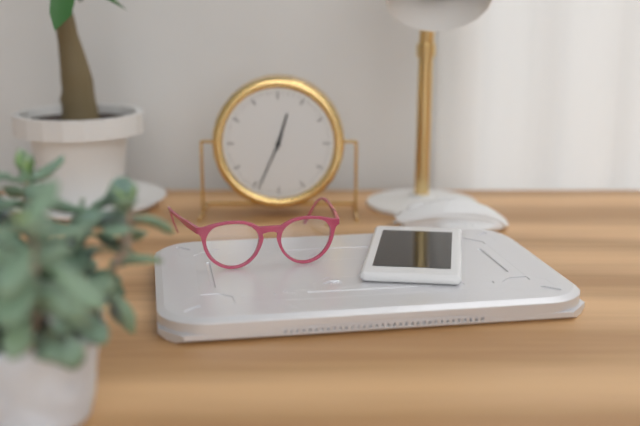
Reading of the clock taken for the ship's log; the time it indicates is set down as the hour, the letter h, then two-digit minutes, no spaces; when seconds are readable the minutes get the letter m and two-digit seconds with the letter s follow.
12h34
